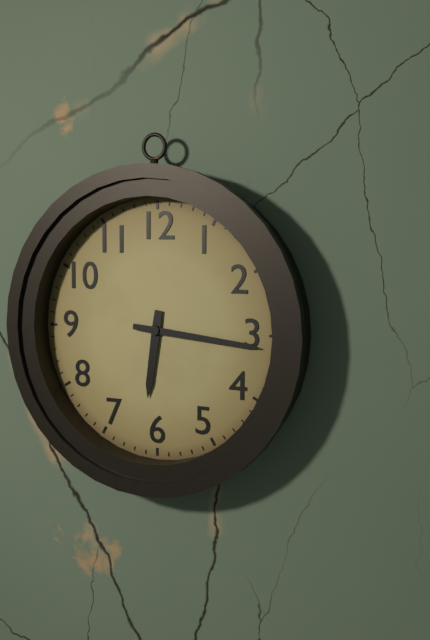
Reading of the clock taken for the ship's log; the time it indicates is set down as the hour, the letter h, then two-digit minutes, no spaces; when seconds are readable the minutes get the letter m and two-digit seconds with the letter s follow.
6h16
